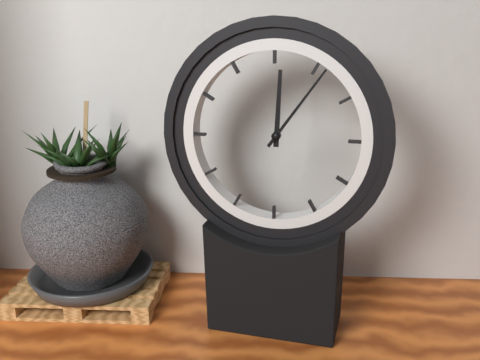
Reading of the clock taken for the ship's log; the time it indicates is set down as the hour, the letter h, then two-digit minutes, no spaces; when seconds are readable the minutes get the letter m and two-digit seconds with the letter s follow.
12h06
